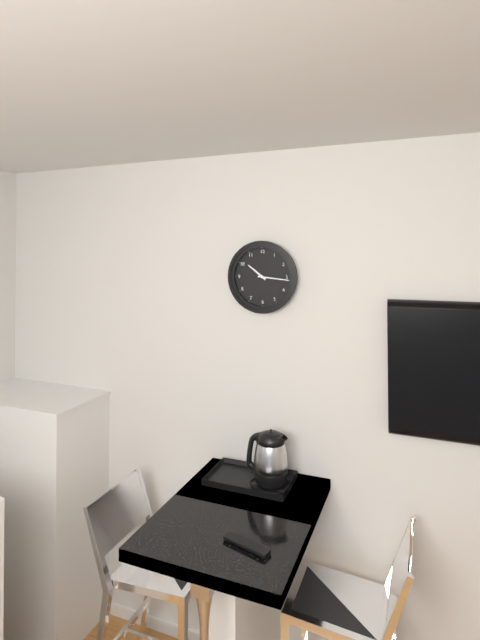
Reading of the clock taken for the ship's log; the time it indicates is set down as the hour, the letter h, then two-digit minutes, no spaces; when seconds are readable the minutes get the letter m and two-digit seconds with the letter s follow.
10h16
